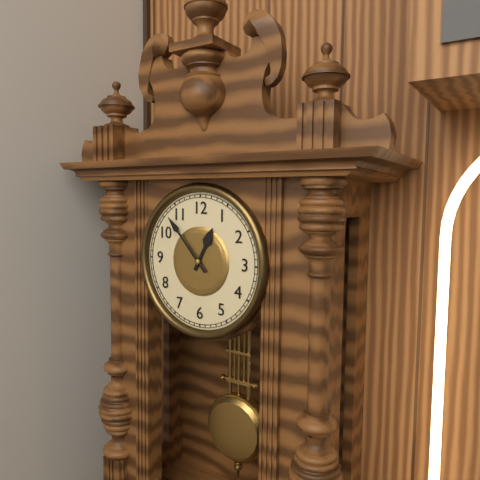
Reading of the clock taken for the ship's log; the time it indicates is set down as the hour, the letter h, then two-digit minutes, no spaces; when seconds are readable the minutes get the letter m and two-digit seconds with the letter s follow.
12h53
